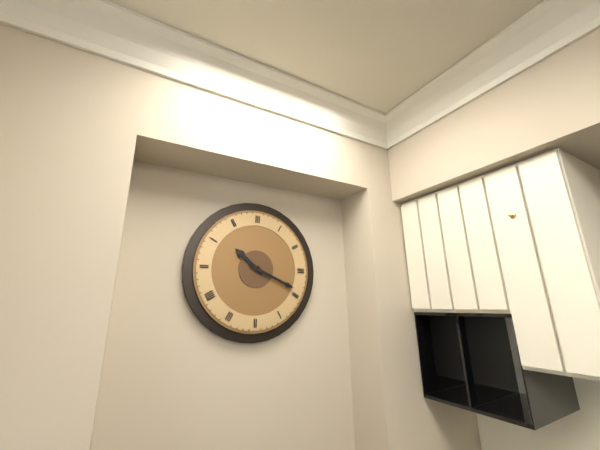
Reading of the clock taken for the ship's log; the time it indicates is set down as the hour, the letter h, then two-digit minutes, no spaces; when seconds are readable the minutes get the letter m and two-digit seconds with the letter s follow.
10h19
